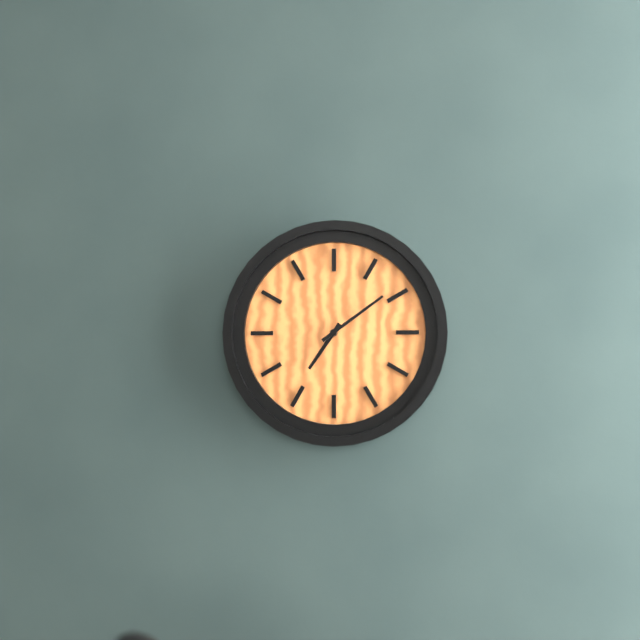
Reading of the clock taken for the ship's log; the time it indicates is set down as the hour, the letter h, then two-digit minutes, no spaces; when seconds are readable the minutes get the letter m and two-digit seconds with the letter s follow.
7h09
